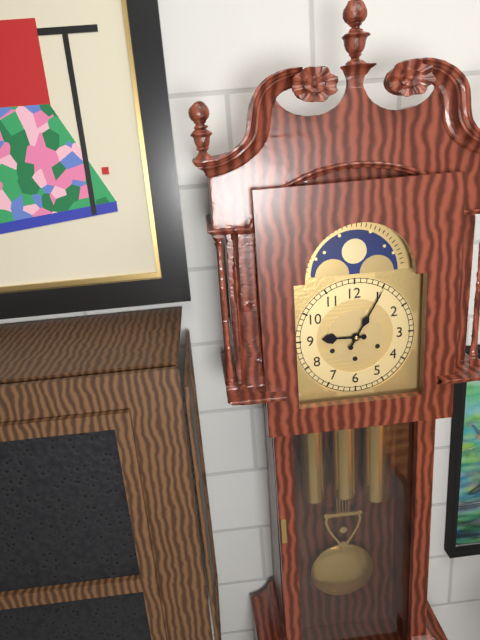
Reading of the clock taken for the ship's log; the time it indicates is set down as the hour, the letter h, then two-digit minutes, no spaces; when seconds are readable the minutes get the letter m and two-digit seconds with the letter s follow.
9h05
